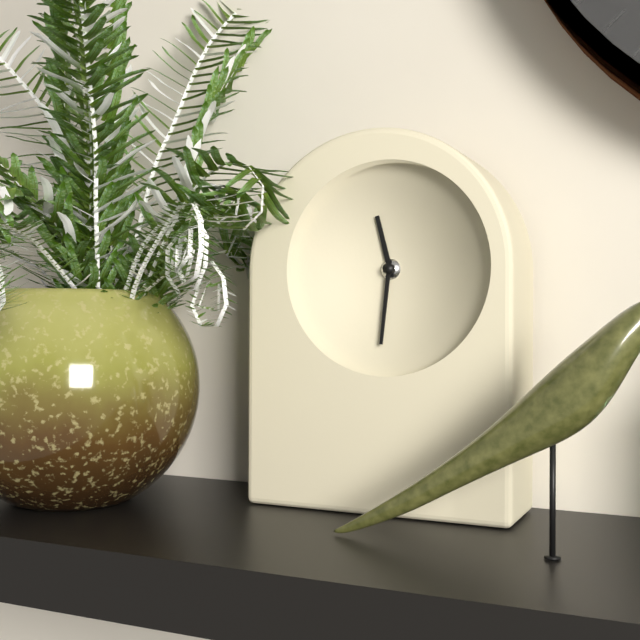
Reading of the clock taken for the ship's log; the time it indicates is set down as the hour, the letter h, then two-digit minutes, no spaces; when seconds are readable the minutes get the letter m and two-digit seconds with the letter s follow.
11h31
